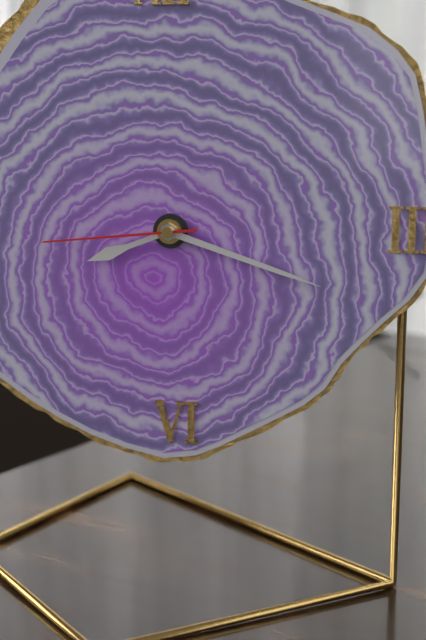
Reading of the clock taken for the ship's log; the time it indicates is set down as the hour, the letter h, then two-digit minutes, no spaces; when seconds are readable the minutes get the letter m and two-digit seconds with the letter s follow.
8h18m44s
